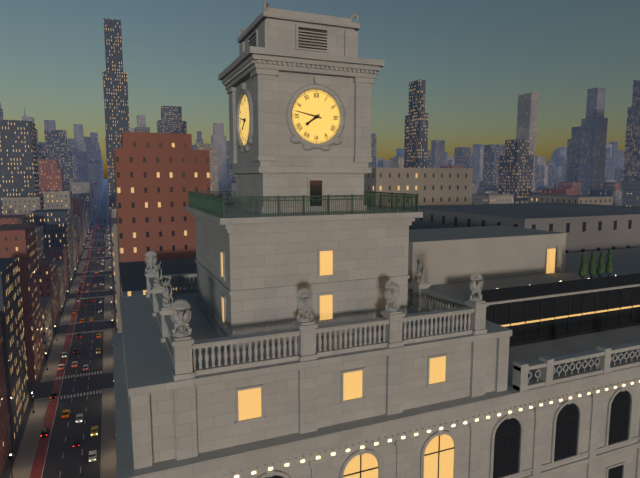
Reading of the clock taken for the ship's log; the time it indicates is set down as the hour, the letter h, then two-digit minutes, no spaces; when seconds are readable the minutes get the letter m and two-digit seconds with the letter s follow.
7h47
